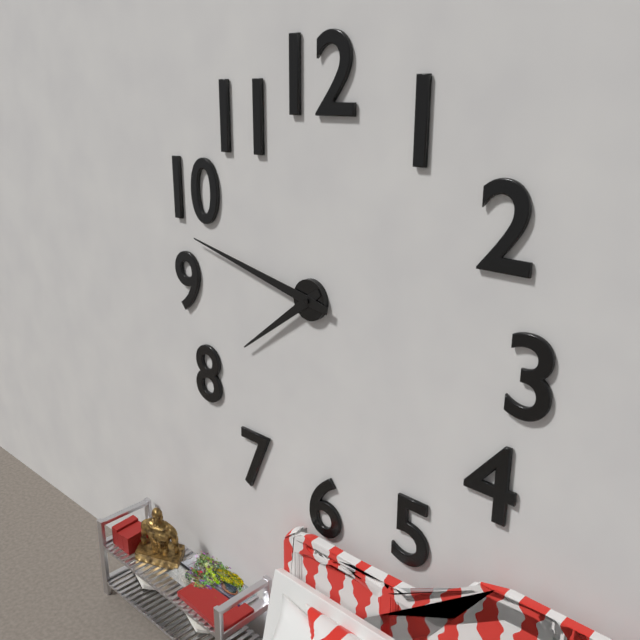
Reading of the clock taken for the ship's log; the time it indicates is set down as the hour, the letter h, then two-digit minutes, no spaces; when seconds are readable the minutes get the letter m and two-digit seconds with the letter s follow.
7h47
